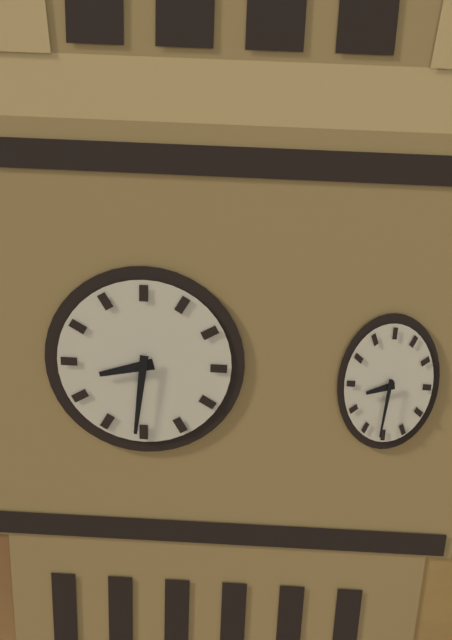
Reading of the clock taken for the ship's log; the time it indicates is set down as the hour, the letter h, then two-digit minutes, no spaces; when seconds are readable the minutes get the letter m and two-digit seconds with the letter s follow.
8h31
